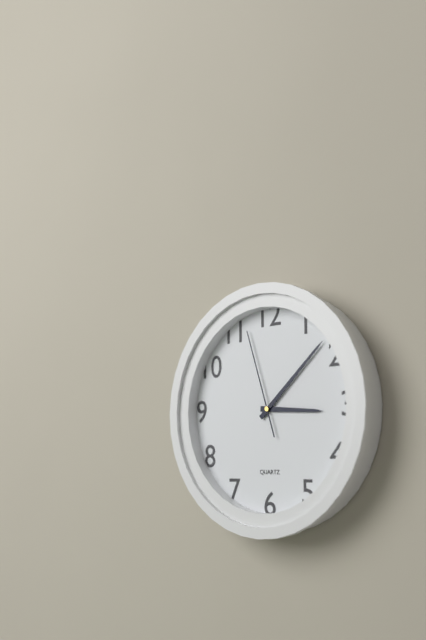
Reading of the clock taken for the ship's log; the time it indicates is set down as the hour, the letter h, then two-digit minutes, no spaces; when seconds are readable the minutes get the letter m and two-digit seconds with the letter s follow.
3h08m57s
